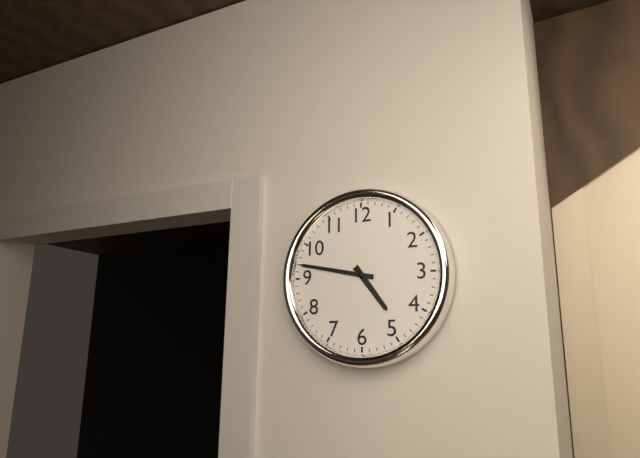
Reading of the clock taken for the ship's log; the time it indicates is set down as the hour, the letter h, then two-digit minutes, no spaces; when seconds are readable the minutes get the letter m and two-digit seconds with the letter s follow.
4h47
